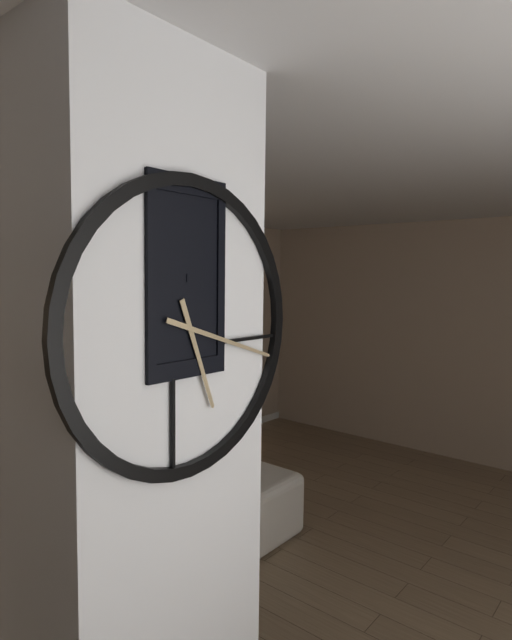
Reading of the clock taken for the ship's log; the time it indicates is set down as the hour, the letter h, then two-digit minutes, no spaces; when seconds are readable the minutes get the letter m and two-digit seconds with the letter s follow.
5h18
